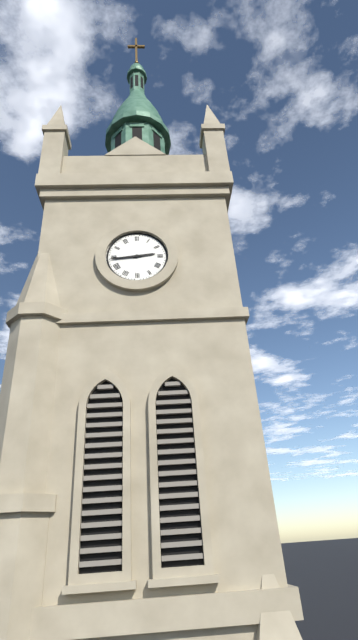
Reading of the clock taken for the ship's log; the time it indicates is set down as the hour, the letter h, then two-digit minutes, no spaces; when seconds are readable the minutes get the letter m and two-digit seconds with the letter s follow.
2h44
